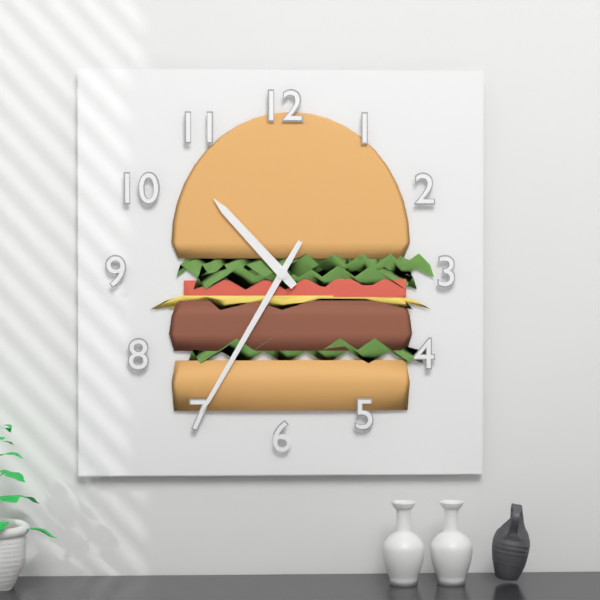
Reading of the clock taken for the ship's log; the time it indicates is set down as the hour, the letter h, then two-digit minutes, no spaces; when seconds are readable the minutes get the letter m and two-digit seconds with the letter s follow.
10h35
